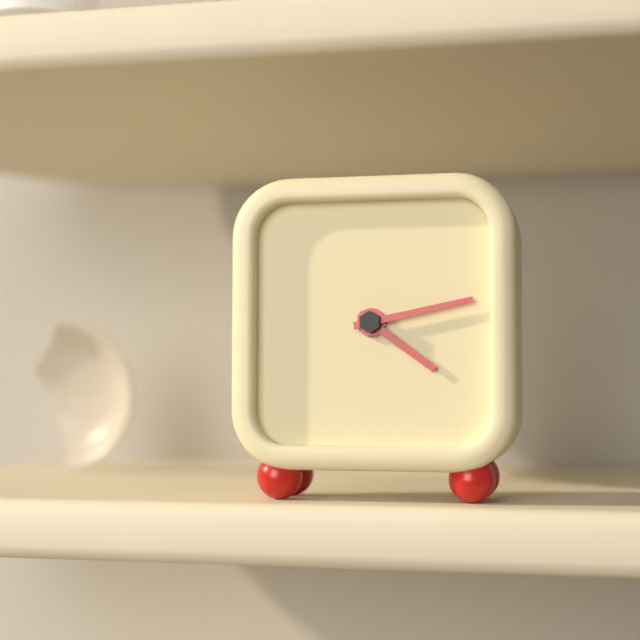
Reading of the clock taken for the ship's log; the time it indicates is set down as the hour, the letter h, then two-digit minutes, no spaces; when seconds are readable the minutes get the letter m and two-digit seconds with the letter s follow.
4h13
